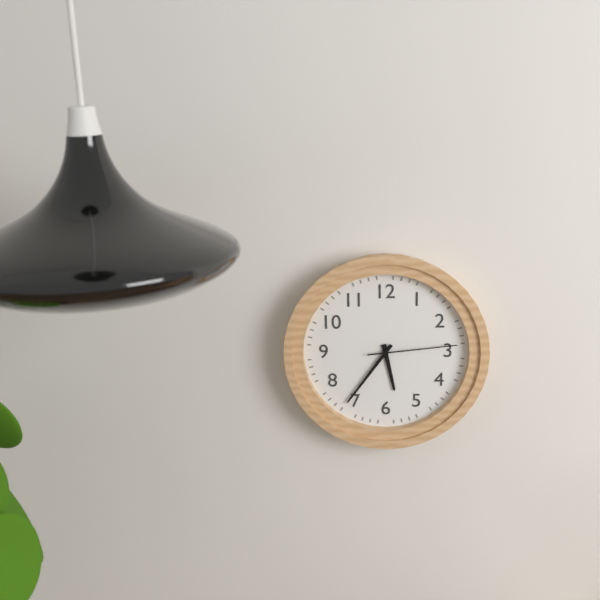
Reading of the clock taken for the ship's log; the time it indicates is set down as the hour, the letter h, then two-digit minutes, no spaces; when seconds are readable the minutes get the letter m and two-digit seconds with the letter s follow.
5h36m14s
